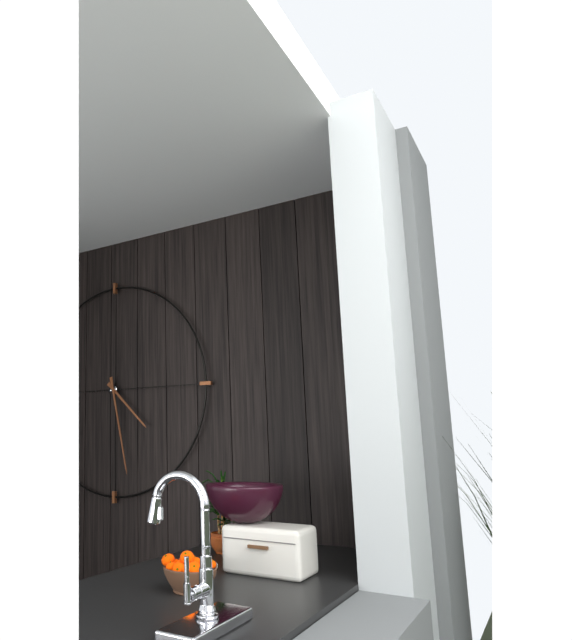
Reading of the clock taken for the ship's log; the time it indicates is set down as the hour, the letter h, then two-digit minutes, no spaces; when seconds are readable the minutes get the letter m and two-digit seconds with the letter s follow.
4h28
